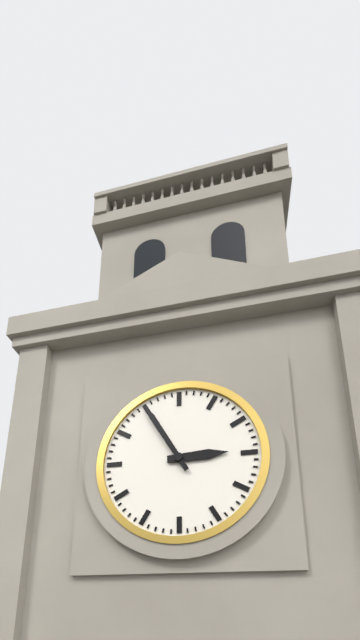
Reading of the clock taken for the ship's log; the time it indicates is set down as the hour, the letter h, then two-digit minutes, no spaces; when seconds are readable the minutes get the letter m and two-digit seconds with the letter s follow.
2h55
